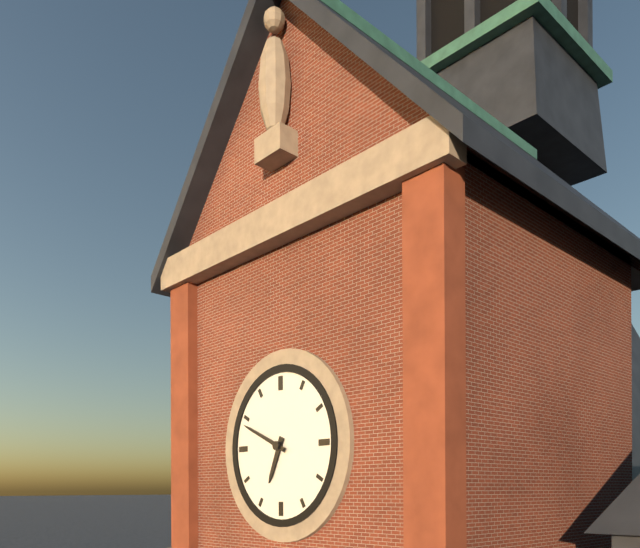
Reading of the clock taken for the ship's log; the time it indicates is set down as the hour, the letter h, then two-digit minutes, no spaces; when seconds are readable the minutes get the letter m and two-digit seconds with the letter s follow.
6h49
